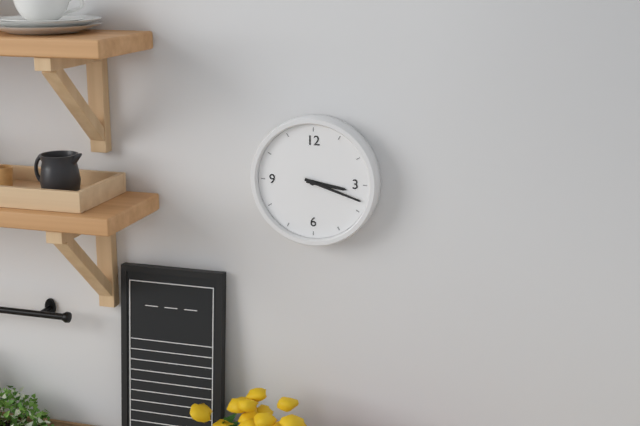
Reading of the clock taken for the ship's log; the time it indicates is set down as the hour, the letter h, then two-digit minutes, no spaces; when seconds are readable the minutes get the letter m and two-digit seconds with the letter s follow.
3h18
